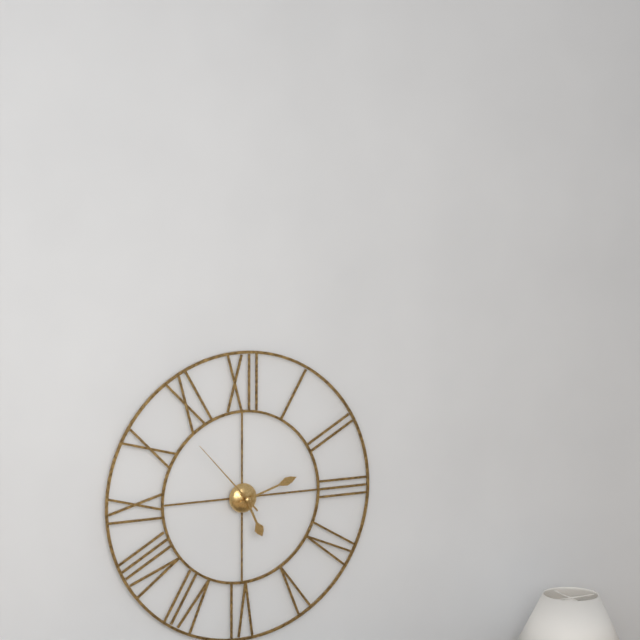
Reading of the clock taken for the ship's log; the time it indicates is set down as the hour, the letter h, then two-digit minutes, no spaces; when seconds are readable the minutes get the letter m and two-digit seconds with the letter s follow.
5h12m53s
